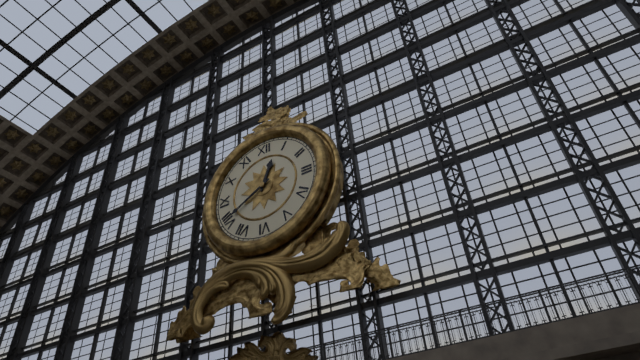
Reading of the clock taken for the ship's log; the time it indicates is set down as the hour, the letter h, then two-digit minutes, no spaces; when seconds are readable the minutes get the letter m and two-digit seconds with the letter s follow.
12h40
